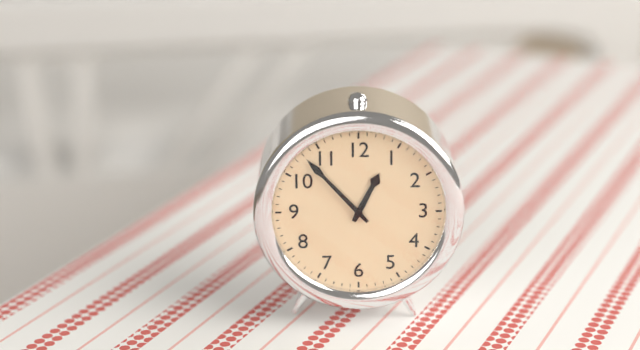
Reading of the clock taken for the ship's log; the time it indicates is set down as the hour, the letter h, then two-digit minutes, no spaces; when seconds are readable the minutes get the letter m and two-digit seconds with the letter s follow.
12h53
